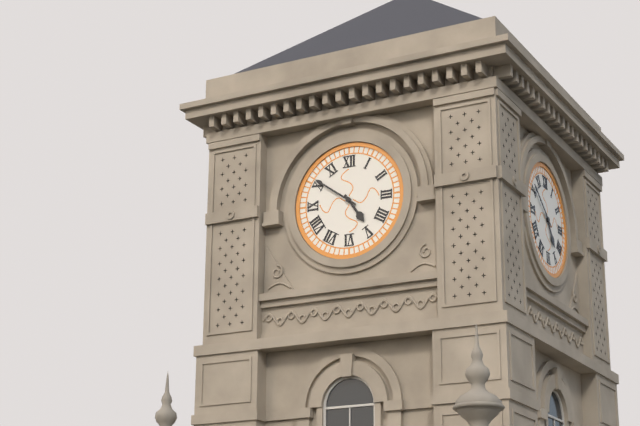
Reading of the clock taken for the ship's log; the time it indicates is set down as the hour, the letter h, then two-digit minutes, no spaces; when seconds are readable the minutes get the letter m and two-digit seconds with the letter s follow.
4h51
